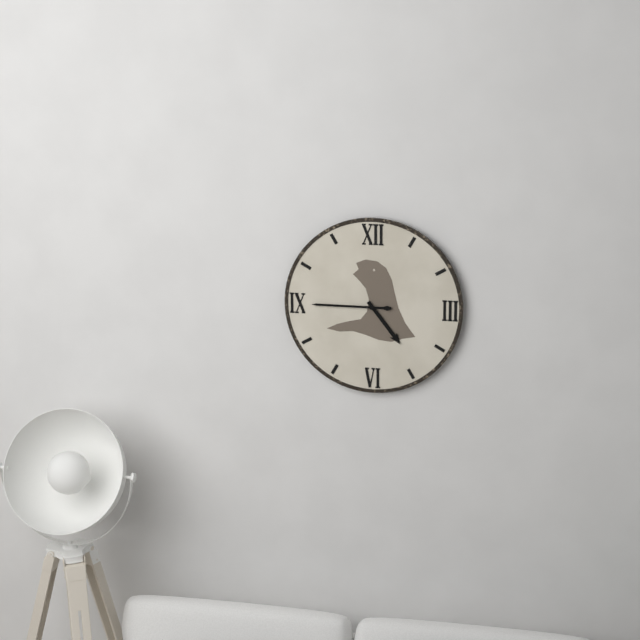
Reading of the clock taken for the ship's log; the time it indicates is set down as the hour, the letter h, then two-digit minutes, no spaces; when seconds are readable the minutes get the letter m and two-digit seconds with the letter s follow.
4h45
